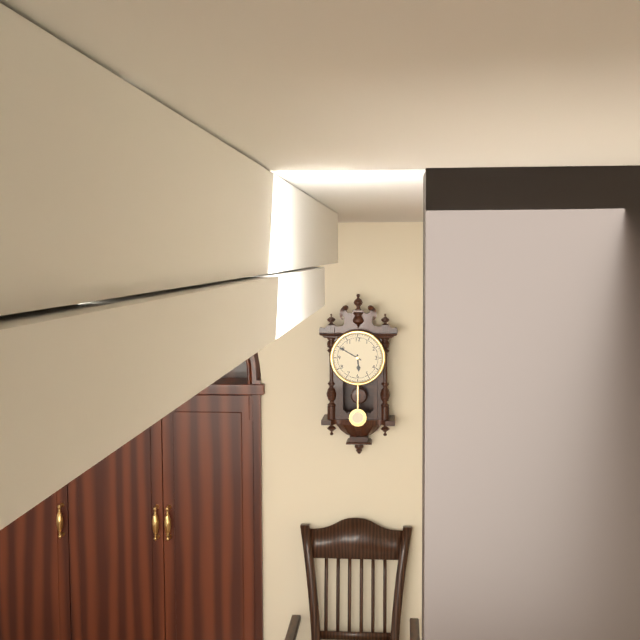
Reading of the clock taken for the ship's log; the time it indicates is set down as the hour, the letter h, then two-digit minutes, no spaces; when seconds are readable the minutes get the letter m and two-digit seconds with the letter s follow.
5h50
